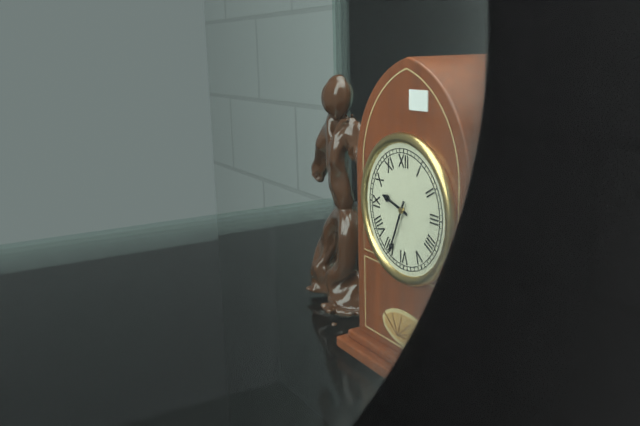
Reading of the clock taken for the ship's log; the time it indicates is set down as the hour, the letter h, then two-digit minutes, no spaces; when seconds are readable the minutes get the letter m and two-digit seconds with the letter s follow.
9h34
